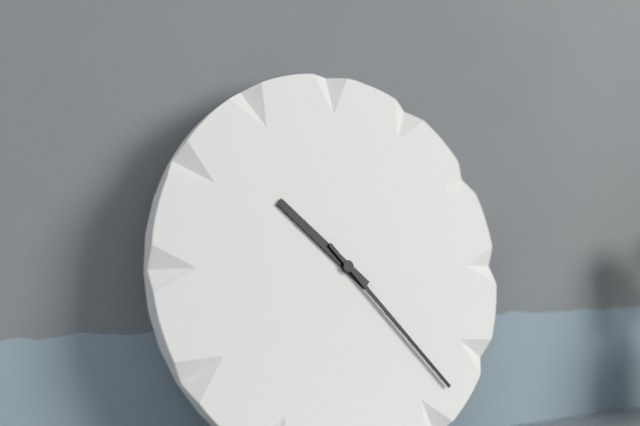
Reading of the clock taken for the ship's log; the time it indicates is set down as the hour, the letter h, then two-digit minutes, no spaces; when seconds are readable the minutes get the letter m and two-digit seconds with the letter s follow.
10h23
